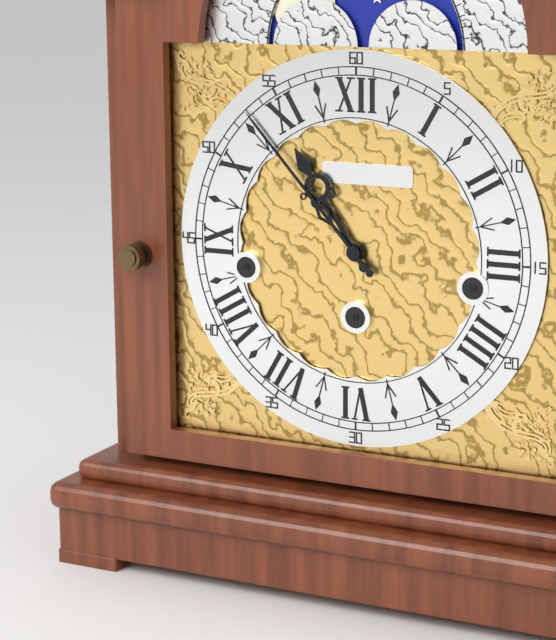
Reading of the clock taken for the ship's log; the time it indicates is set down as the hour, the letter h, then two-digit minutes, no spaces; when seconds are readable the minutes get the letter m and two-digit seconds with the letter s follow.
10h53
